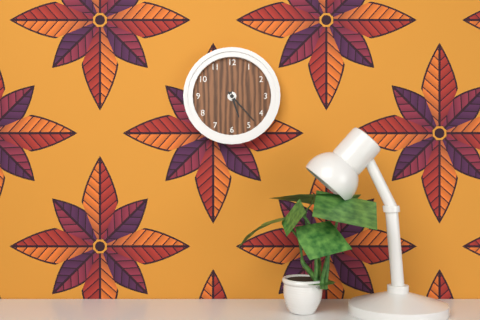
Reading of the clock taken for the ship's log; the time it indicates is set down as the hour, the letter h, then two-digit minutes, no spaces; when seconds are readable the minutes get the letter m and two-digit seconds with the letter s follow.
5h23
